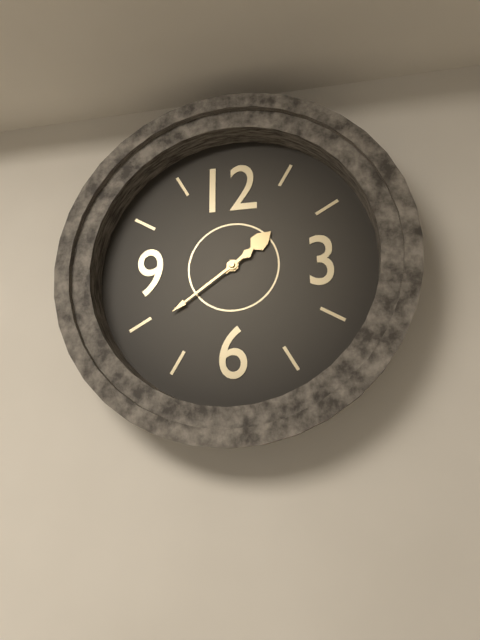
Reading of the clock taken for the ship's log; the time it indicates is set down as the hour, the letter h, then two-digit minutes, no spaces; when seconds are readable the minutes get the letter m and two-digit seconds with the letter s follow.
1h39
